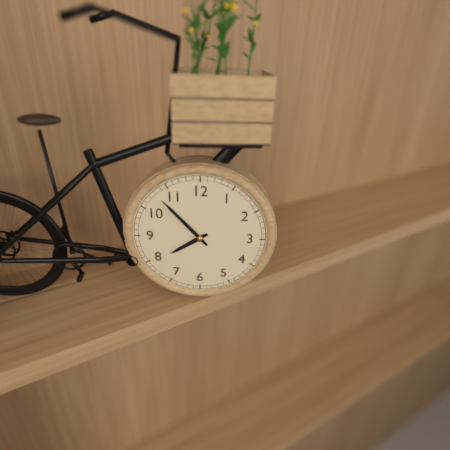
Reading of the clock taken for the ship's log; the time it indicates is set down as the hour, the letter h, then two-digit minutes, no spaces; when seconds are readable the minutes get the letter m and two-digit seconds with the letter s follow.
7h53
